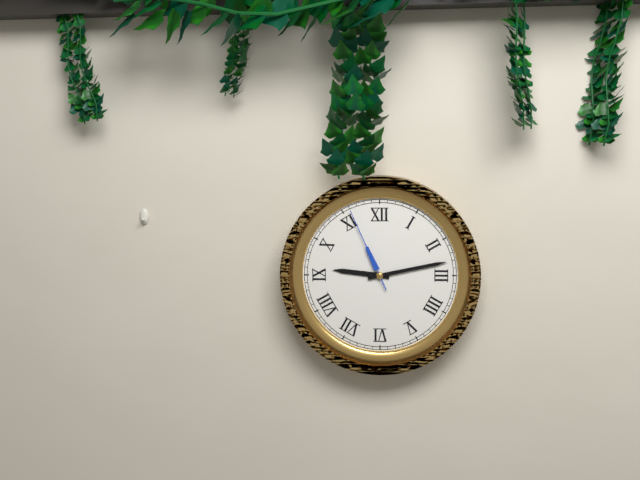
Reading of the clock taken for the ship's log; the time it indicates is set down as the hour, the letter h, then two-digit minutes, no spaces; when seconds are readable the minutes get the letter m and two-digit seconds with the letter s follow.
9h13m56s
